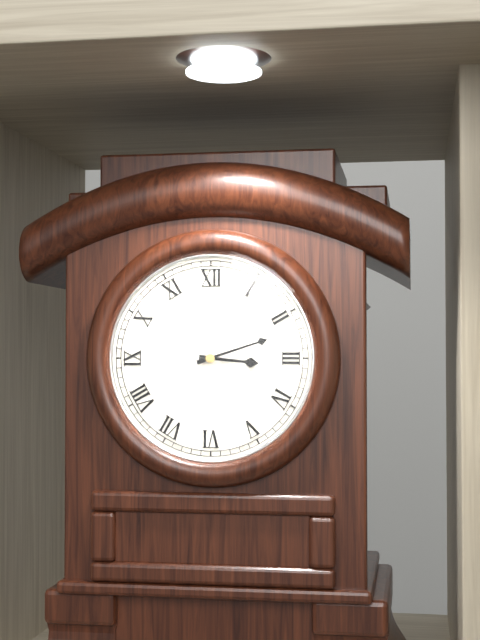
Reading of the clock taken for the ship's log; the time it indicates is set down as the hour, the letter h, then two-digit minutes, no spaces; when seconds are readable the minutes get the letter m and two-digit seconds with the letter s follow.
3h12
